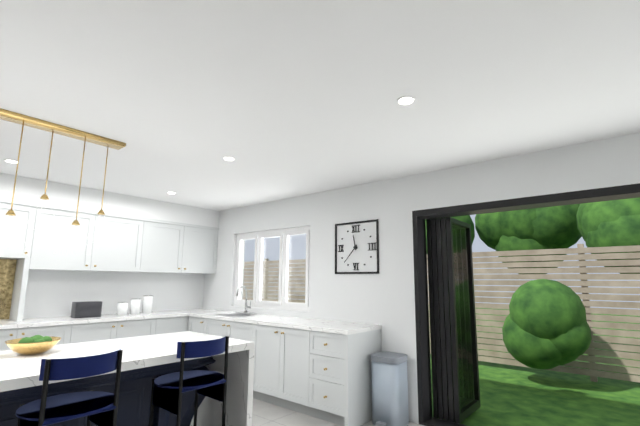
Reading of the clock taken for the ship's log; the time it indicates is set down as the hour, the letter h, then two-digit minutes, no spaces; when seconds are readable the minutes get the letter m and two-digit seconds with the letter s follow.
11h37
